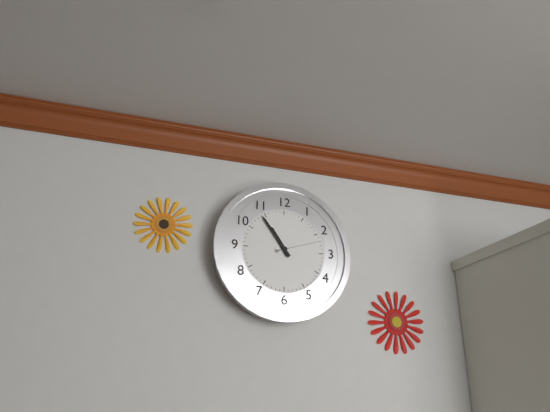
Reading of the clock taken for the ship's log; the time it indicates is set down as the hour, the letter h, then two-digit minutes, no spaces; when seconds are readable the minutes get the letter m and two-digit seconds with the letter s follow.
10h54
